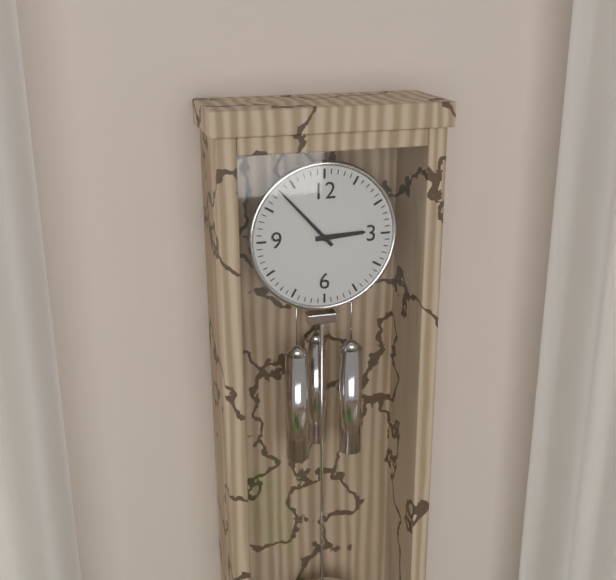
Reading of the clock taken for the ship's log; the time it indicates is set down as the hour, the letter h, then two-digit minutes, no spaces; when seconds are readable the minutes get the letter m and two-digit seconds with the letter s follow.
2h53
